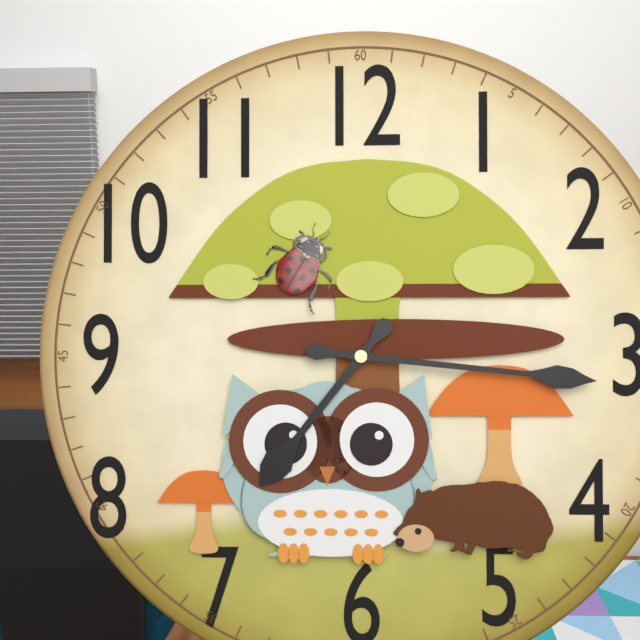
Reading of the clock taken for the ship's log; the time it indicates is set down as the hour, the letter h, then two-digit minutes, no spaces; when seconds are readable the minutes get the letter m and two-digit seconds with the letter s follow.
7h16
